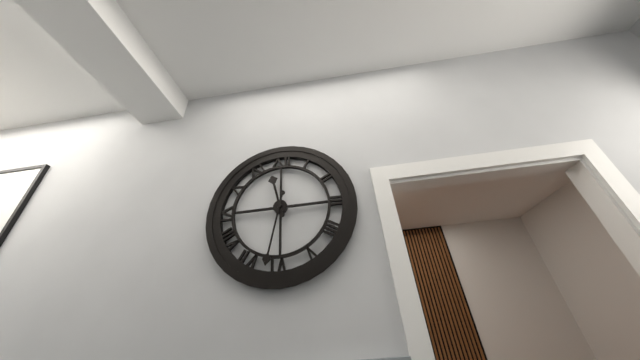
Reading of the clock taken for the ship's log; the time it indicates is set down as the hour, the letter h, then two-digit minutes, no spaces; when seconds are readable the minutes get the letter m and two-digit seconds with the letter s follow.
11h32
